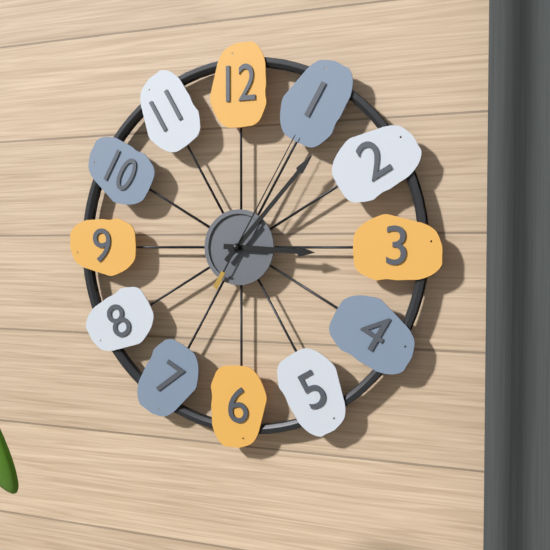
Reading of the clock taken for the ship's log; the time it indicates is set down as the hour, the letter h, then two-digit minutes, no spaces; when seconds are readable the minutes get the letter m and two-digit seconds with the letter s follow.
3h07m05s
